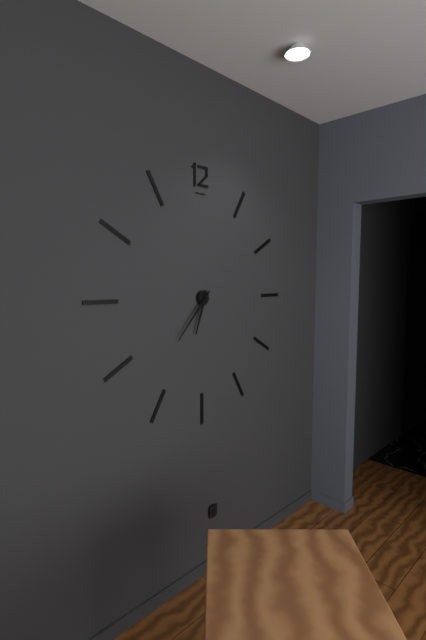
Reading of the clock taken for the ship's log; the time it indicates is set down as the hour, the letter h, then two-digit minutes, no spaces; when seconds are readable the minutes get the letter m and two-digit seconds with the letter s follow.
6h37
